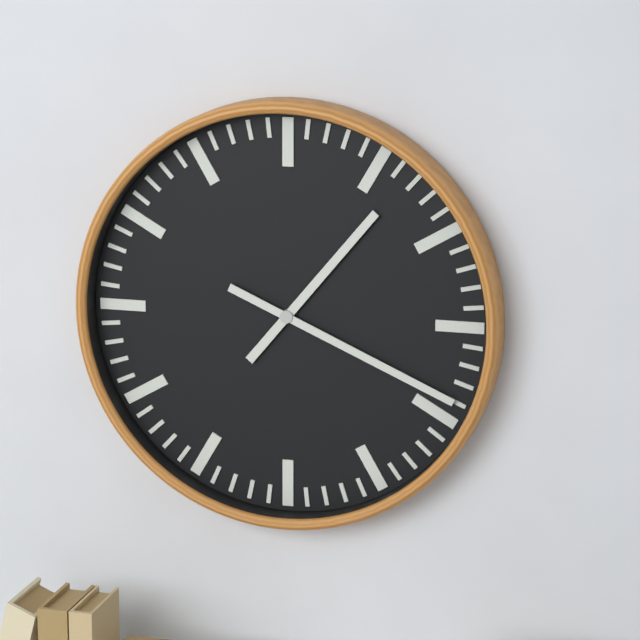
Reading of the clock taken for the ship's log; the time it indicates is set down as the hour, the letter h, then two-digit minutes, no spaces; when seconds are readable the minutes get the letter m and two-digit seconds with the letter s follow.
1h19
